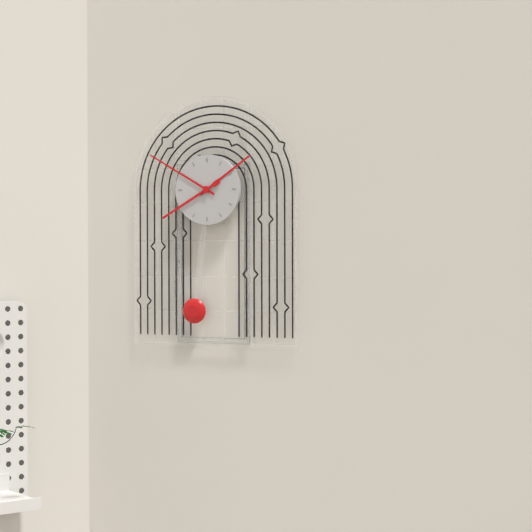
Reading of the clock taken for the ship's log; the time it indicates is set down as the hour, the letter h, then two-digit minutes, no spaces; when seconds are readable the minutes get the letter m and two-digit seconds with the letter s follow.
1h50m40s
